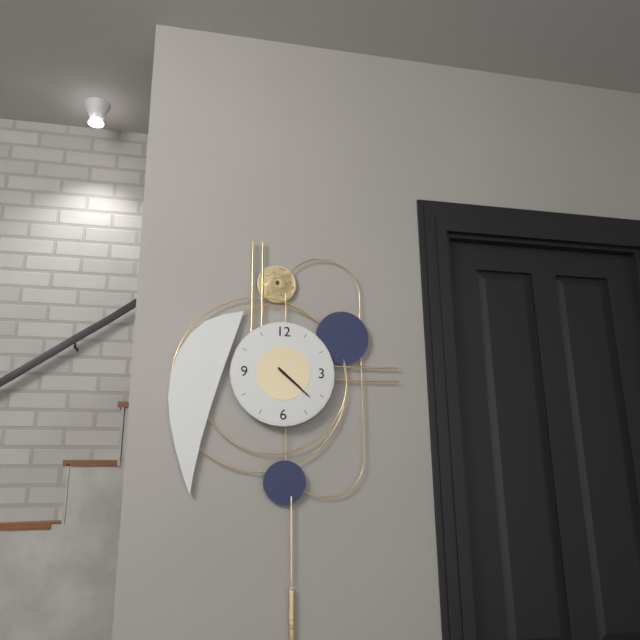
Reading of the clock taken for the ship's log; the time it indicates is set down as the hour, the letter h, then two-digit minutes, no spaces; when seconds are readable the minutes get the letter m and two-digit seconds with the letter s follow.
4h22
